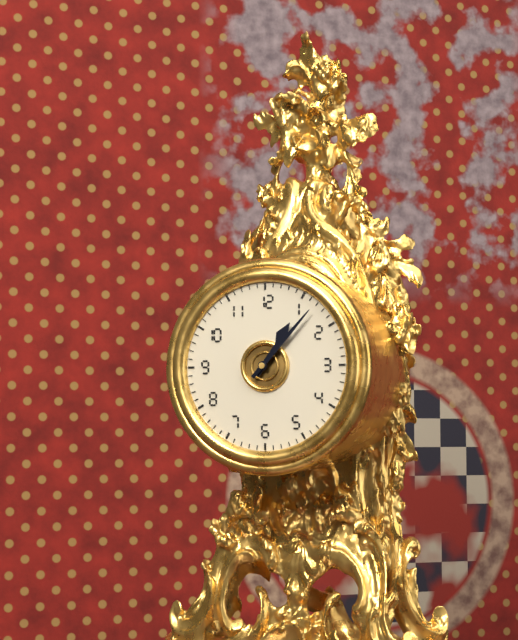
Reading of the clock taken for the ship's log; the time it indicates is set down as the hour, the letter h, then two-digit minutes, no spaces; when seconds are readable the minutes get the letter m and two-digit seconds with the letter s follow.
1h07
